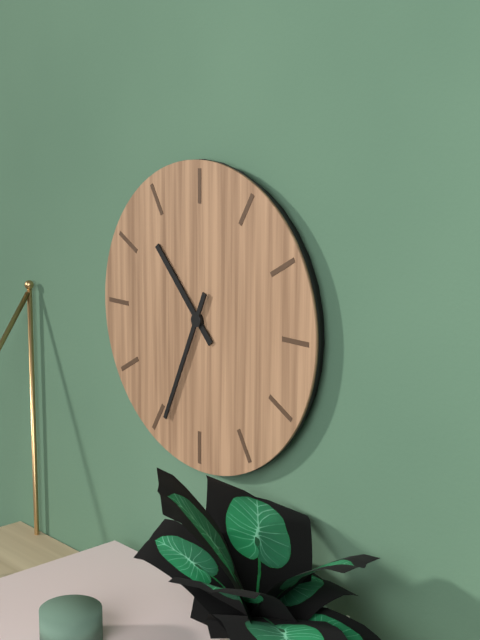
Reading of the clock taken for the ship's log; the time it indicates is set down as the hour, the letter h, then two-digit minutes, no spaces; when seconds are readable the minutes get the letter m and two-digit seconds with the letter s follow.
10h34
